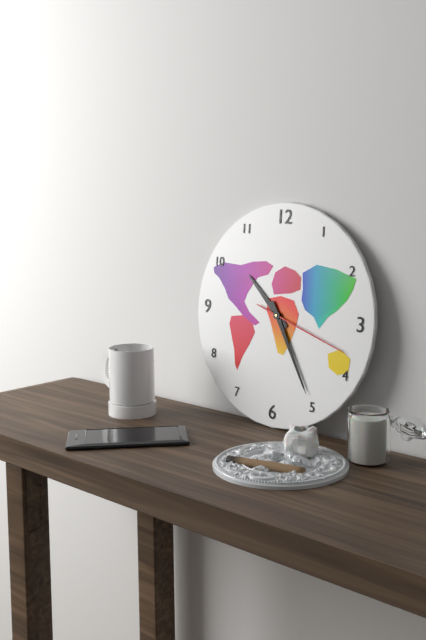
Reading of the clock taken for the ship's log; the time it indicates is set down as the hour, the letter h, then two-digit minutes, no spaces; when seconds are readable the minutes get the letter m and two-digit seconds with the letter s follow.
10h25m18s
